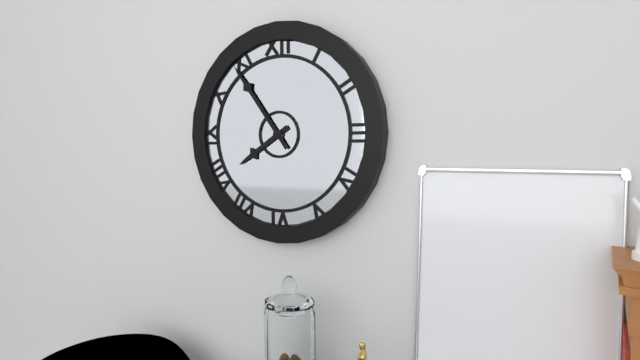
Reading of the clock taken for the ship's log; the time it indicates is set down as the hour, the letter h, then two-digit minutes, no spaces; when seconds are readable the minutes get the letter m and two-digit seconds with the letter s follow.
7h54
